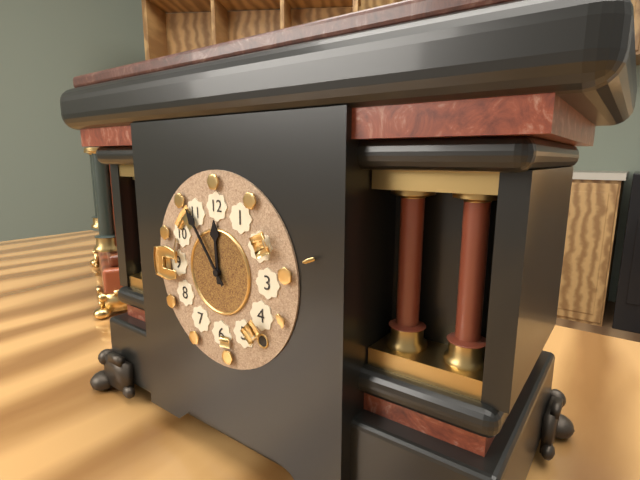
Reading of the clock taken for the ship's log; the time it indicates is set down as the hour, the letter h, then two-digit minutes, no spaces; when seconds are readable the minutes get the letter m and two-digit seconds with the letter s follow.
11h54
